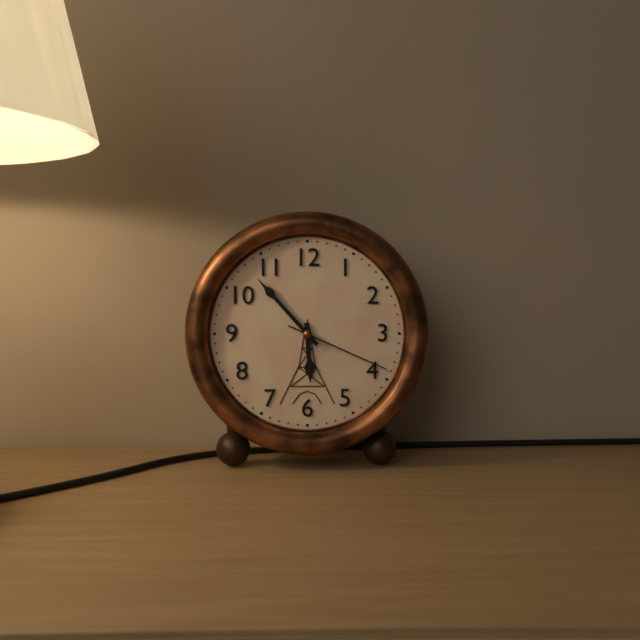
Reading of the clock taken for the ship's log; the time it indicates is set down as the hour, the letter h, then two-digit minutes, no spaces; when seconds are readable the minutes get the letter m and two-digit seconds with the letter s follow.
5h53m19s
